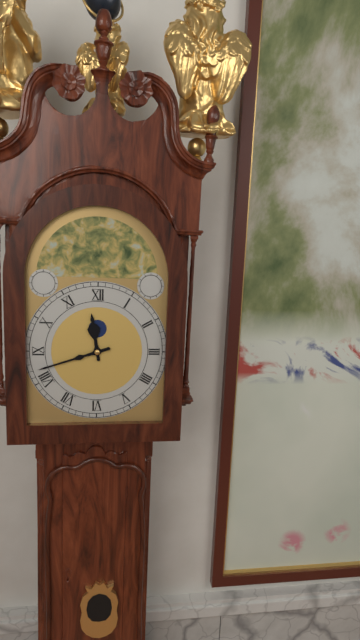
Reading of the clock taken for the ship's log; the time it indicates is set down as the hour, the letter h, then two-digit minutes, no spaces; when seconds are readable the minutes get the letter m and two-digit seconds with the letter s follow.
11h42
